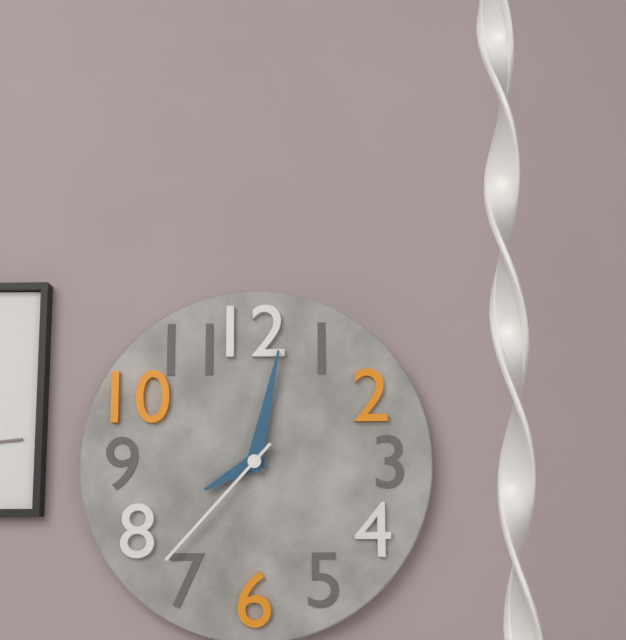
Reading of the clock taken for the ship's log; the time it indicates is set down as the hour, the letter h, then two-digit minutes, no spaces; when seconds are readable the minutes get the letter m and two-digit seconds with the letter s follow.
8h02m37s
